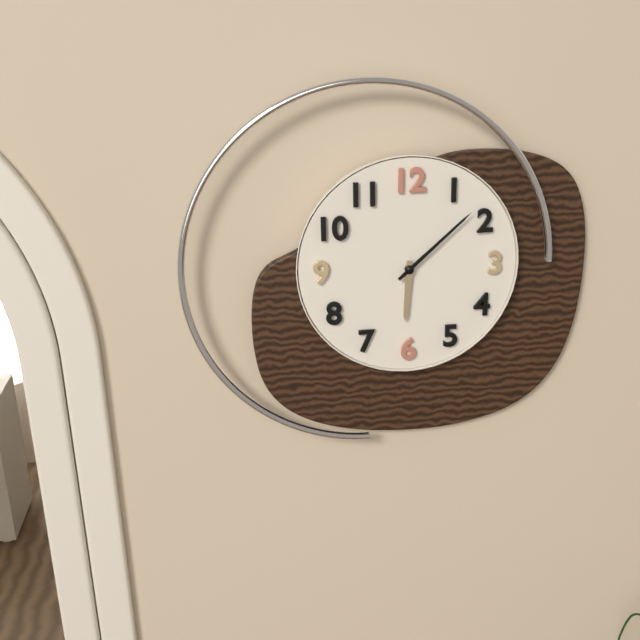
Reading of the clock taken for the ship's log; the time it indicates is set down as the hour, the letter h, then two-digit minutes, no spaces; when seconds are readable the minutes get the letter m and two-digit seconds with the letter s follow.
6h08
